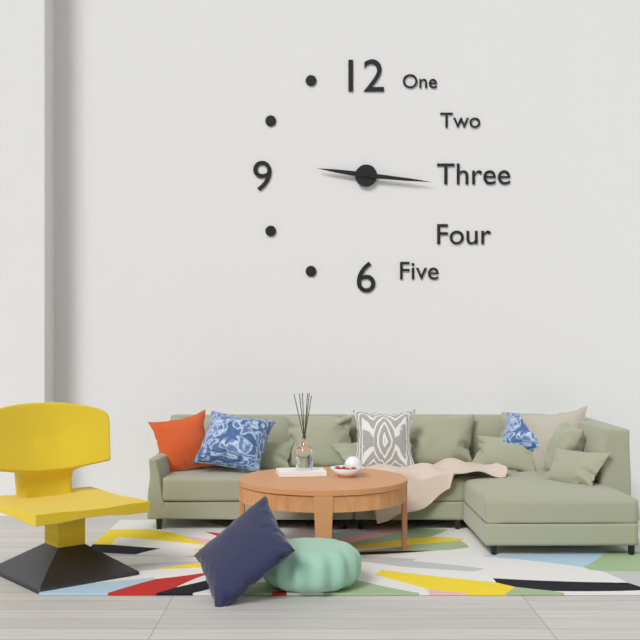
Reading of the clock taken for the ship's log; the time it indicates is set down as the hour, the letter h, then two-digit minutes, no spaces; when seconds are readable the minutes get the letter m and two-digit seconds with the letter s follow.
9h16
